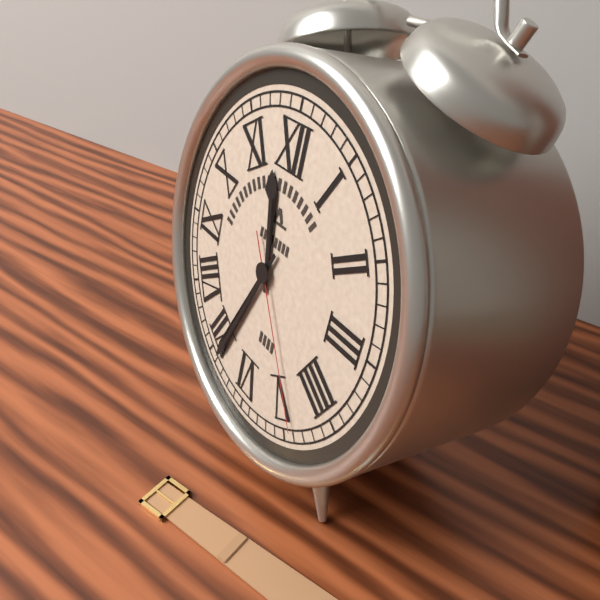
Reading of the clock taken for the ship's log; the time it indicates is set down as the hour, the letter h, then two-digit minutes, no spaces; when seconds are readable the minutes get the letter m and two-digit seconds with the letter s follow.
11h34m24s
